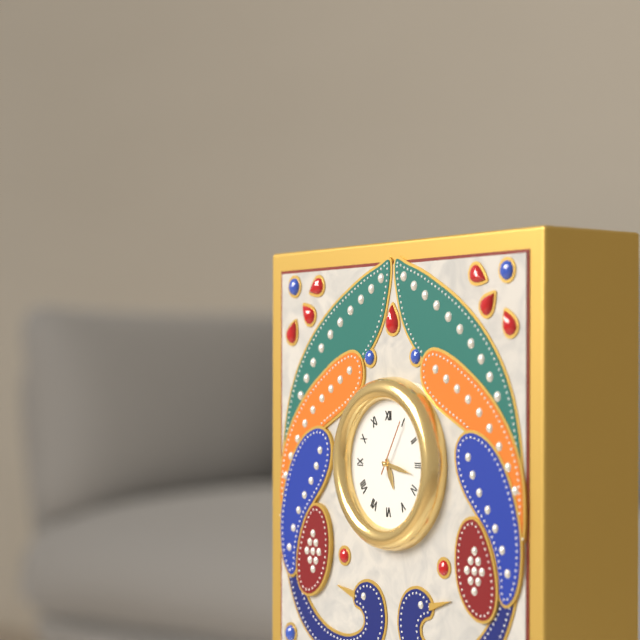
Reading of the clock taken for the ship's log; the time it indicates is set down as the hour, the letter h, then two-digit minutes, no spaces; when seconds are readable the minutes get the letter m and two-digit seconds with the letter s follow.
5h17m05s
